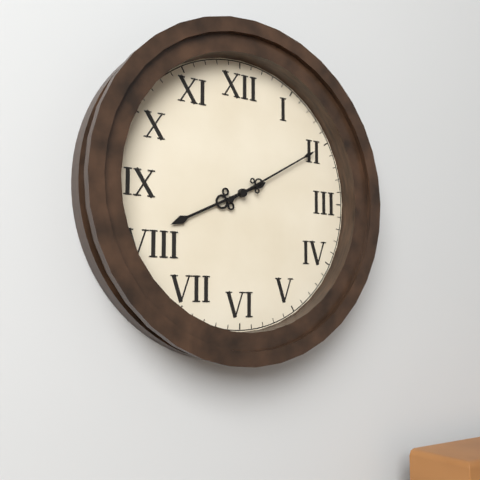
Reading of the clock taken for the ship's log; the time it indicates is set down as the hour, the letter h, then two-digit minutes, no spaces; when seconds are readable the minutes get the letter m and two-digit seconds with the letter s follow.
8h10
